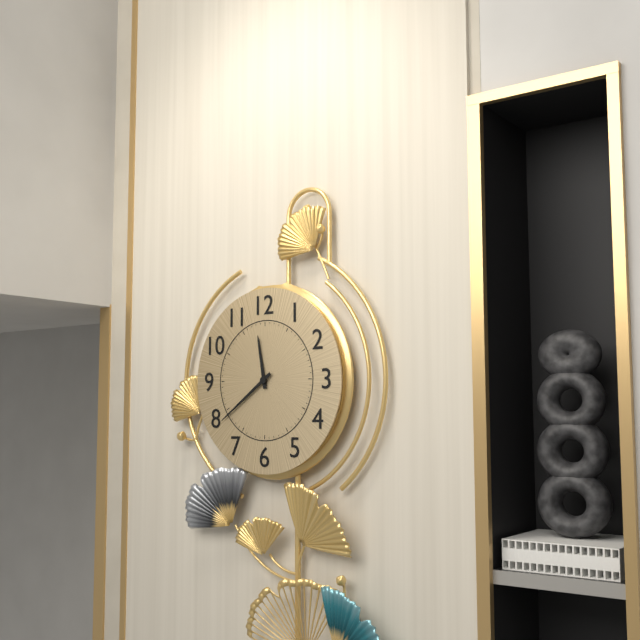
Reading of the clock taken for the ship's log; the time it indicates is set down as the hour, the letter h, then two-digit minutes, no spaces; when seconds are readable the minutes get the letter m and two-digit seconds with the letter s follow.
11h39
